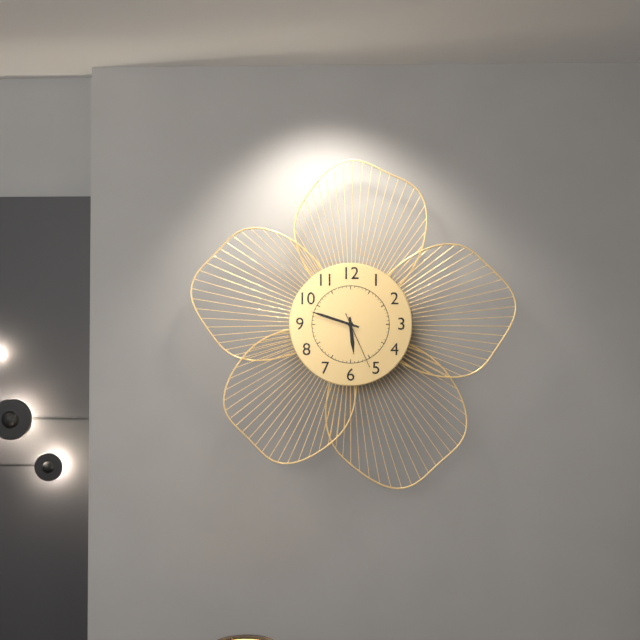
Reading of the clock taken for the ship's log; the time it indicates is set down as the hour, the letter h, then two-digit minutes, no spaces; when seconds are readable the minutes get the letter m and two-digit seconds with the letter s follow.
5h48m26s
